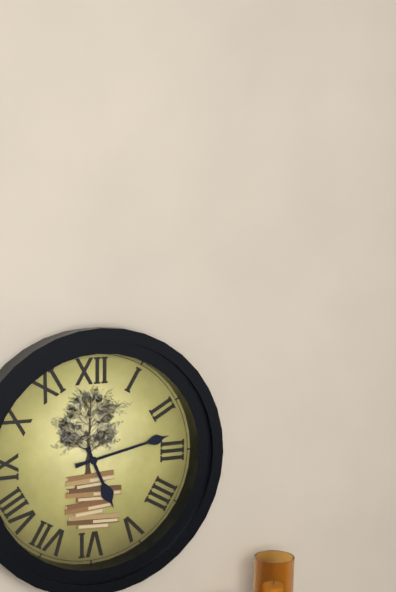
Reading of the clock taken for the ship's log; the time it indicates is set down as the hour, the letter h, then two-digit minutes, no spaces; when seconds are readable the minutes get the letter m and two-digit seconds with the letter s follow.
5h13
